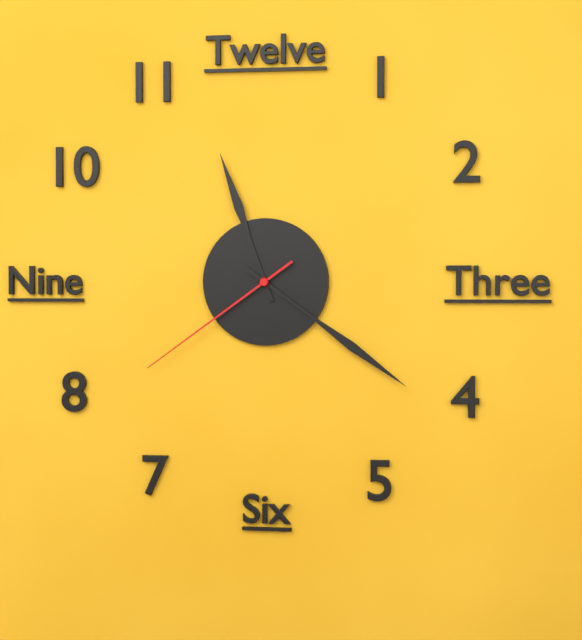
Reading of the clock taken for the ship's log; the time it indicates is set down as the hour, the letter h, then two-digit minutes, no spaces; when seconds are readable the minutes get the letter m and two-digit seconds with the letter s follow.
11h21m39s
